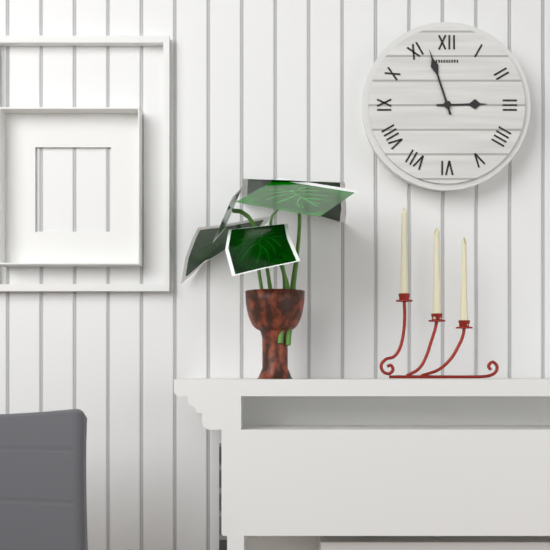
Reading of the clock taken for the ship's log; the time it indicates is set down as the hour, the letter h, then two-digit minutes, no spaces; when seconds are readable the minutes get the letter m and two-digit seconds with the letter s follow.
2h57
